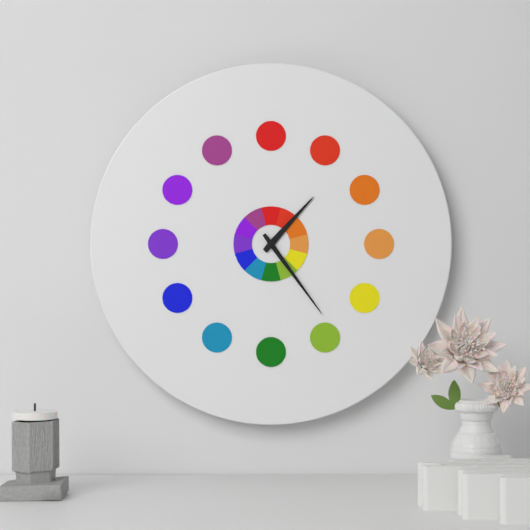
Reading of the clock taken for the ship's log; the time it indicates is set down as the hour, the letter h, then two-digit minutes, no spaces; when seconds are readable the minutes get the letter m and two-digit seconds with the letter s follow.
1h24
